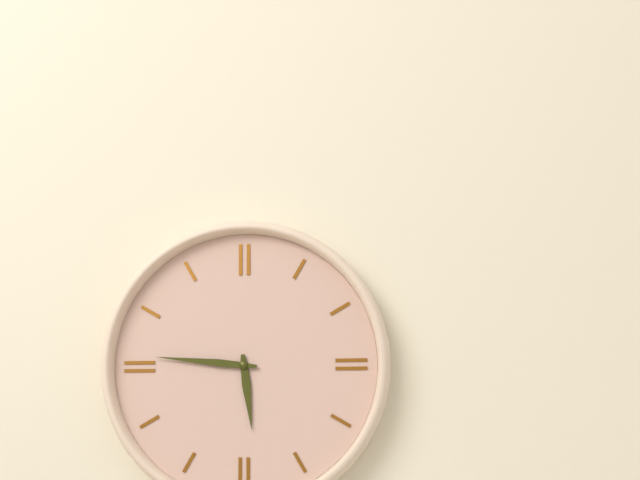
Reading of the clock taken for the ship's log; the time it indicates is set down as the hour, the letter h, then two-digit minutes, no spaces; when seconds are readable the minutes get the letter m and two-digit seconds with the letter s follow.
5h46
